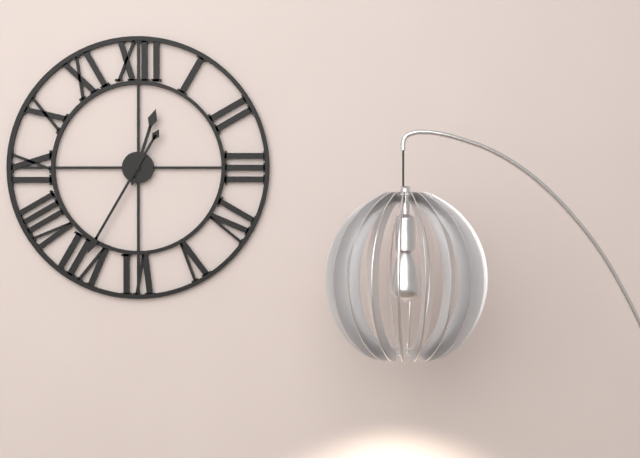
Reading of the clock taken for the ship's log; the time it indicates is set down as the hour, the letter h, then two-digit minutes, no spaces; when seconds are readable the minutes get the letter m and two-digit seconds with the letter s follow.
12h35
